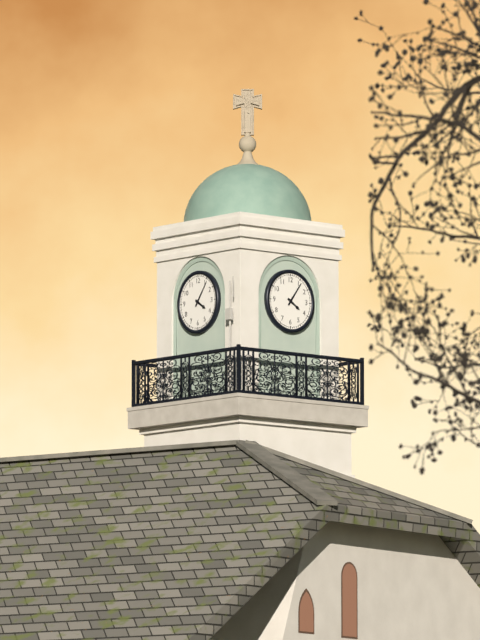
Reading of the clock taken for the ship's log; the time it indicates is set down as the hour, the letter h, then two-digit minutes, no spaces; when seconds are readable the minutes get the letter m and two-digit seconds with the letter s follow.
4h06
